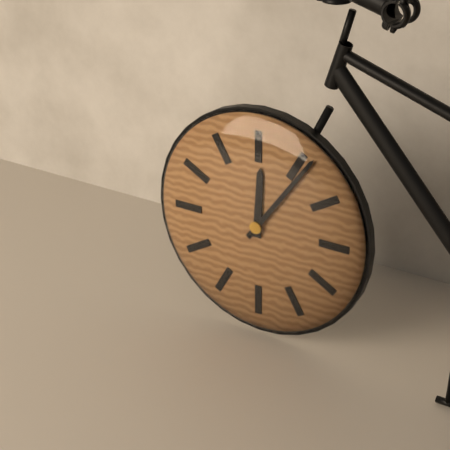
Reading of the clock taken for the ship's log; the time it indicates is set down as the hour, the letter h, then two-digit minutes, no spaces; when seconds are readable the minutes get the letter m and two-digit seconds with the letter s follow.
12h06
